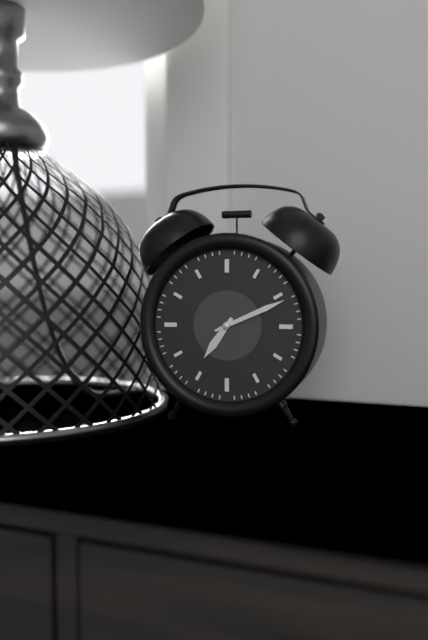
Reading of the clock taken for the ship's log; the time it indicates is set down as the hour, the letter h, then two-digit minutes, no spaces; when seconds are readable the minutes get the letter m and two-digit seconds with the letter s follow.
7h11
